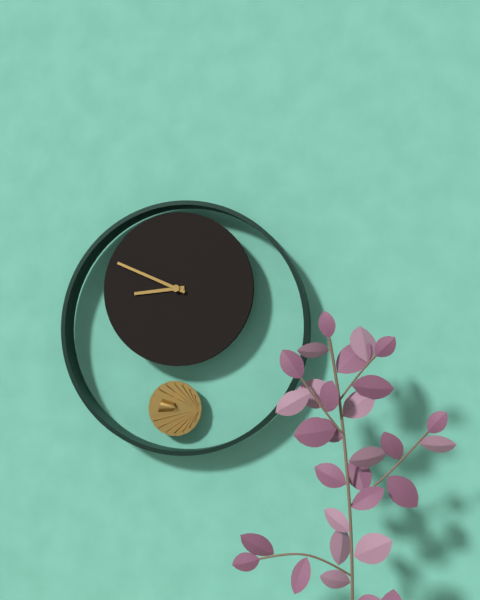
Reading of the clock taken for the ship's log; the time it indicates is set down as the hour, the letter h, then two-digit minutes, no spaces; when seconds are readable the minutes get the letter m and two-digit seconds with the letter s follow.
8h49
